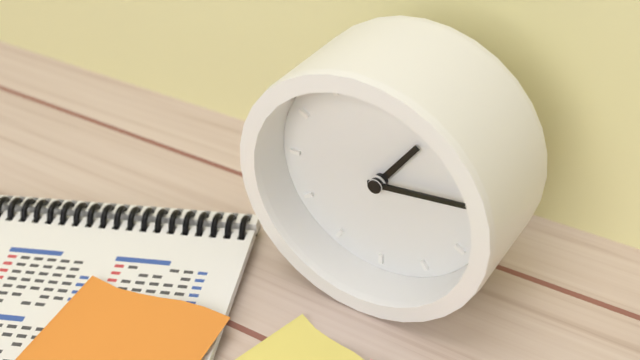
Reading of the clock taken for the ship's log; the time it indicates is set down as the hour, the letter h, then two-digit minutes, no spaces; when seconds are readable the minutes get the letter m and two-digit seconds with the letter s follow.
1h14
